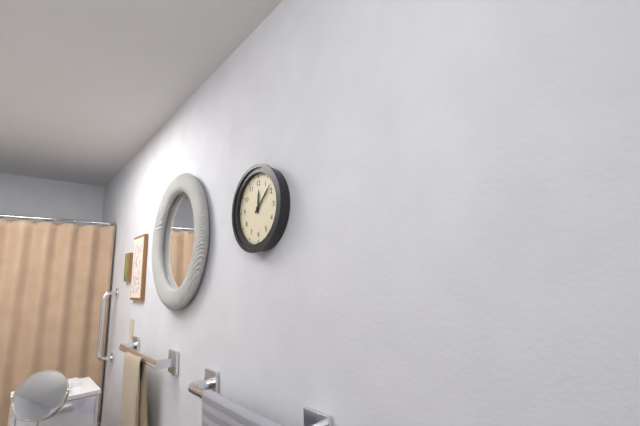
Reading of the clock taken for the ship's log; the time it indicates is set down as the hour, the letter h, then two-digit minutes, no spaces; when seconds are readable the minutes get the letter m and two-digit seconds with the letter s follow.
12h08
